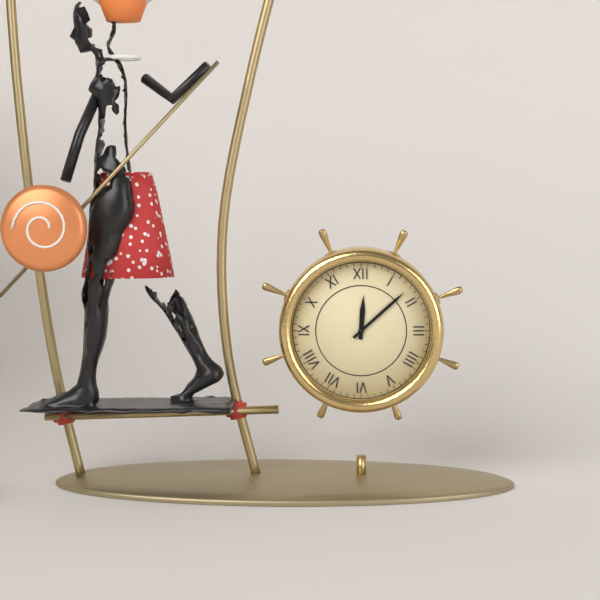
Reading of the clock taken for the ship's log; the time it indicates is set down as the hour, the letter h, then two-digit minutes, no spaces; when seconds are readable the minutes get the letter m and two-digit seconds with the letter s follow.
12h08
